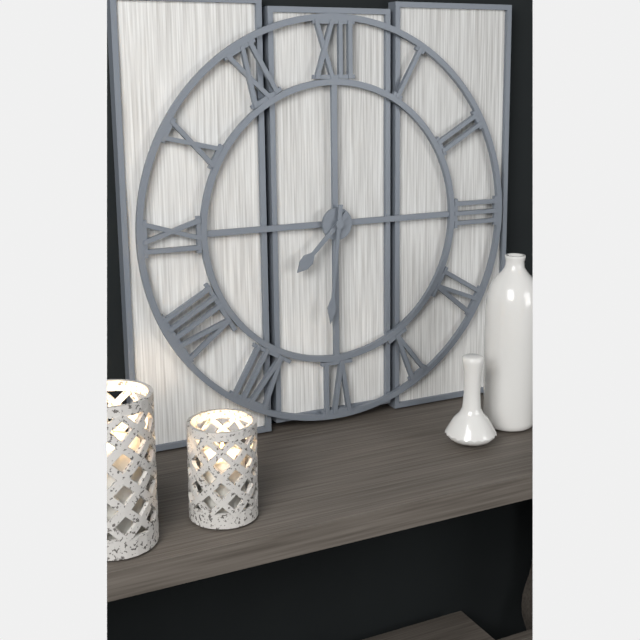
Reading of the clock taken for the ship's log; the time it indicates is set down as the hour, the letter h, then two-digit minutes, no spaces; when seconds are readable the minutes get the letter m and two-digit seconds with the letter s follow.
7h31
